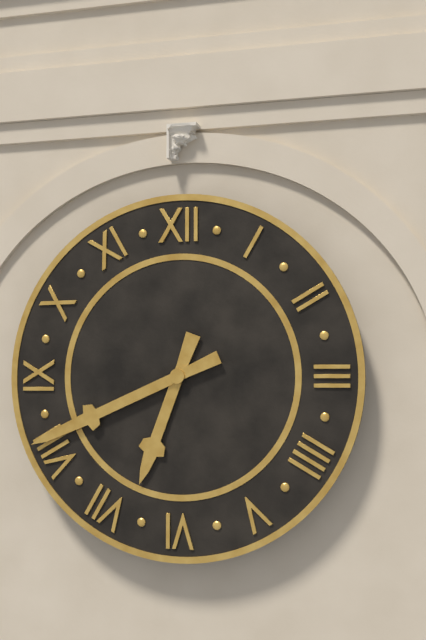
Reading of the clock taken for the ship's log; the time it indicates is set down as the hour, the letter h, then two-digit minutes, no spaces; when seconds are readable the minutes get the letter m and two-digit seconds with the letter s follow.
6h41
